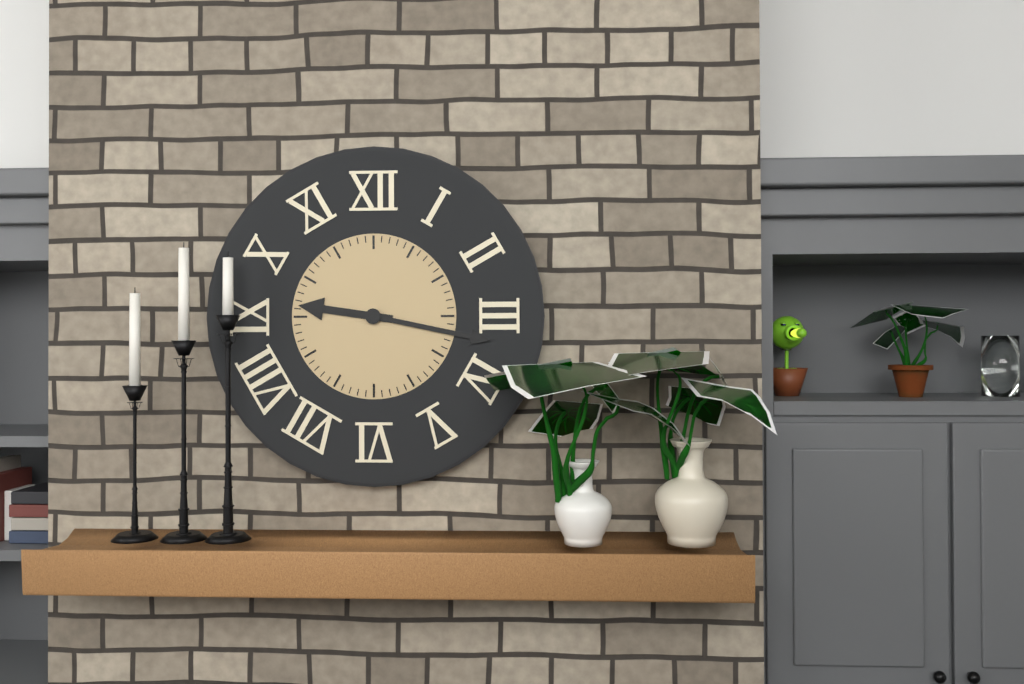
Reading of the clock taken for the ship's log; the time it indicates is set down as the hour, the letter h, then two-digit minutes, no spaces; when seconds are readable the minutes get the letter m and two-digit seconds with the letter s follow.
9h17
